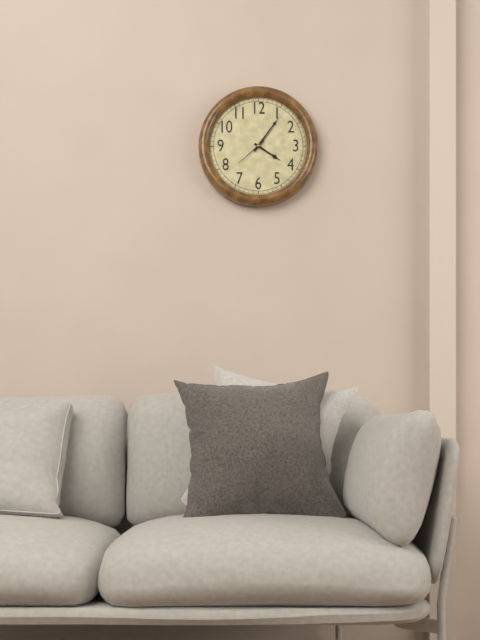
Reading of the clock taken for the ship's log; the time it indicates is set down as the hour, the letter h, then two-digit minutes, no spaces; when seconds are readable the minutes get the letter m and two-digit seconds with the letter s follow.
4h06
